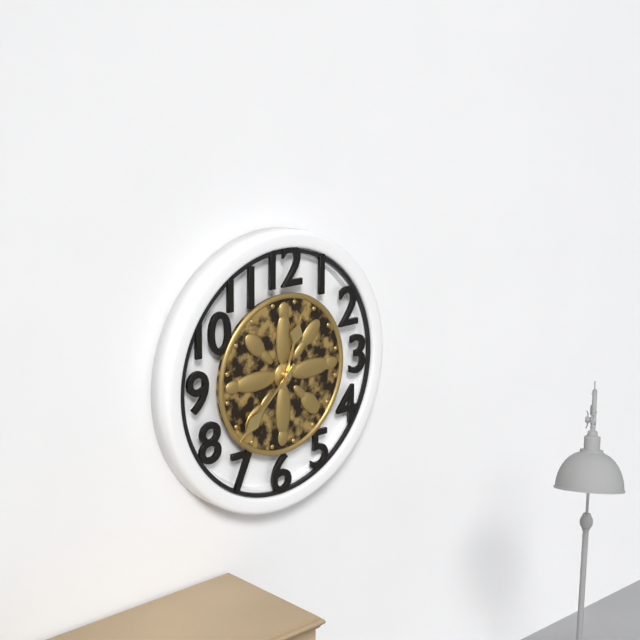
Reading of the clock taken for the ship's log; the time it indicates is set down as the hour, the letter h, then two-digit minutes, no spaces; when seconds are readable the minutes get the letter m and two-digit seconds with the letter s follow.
12h38
